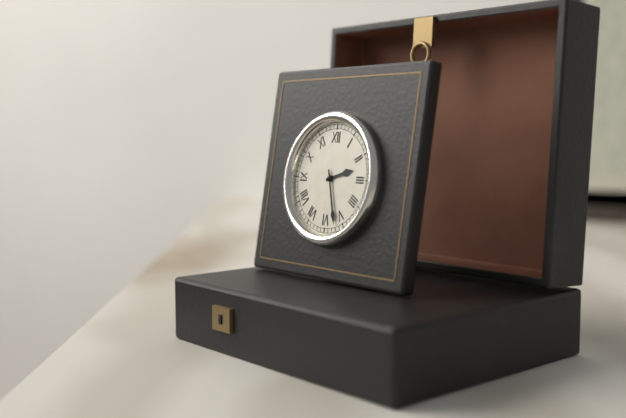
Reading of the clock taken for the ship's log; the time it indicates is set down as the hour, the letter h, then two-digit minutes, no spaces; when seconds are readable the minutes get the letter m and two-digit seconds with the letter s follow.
2h27
